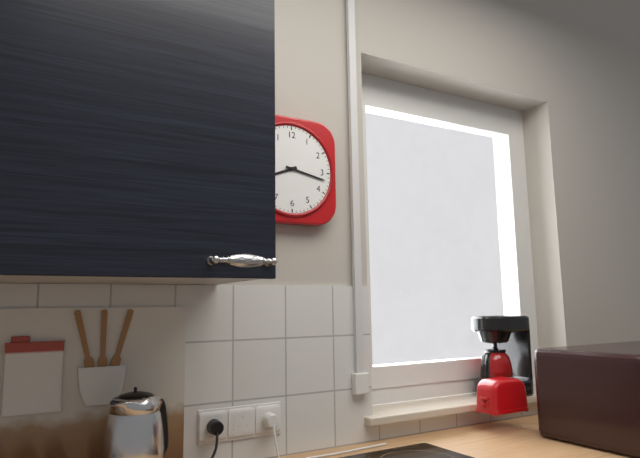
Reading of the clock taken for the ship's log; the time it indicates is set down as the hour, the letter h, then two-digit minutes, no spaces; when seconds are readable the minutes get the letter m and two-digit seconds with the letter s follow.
8h17
